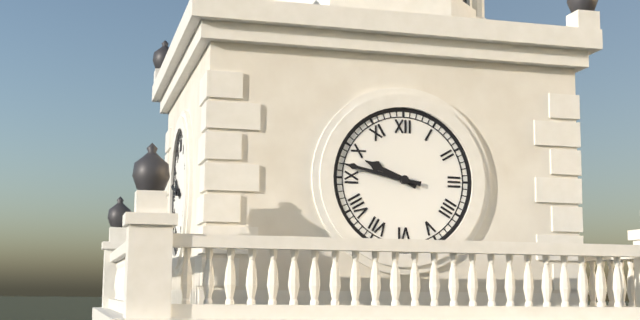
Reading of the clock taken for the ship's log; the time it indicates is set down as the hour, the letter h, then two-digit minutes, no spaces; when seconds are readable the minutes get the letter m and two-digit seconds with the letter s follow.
9h47
